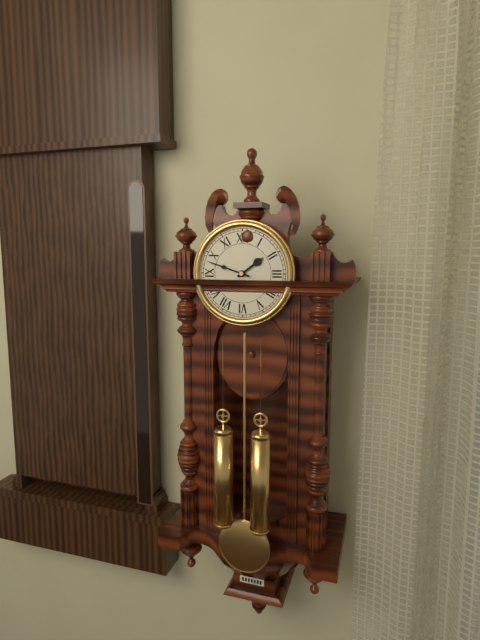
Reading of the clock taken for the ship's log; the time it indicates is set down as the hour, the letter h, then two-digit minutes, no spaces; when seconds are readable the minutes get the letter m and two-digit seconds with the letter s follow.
1h48
